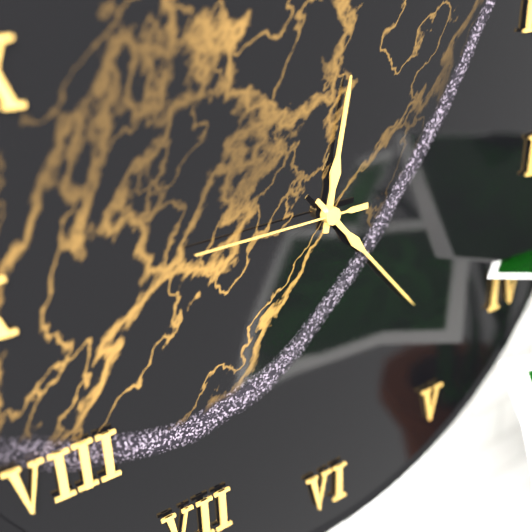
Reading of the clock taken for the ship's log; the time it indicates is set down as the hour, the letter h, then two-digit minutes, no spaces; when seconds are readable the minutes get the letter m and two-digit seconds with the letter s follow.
12h23m45s
